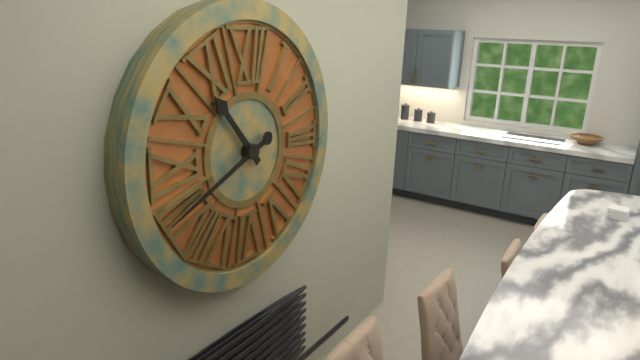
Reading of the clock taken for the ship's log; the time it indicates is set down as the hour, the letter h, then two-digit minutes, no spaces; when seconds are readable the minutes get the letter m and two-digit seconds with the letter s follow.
10h41
